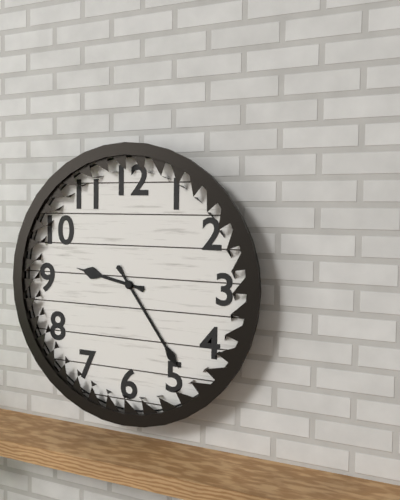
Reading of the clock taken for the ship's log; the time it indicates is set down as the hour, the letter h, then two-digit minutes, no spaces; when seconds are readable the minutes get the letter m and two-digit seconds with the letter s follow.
9h24
